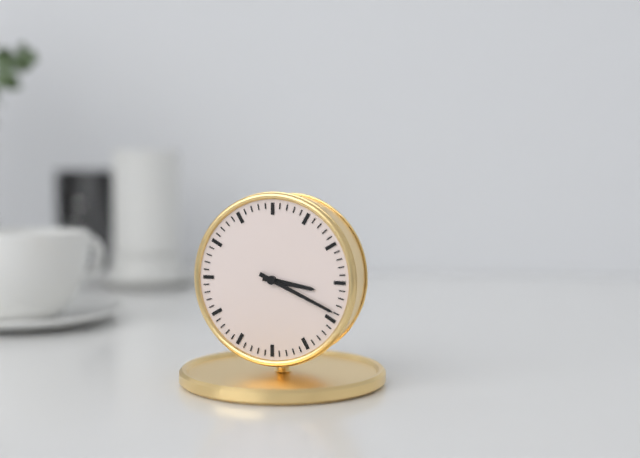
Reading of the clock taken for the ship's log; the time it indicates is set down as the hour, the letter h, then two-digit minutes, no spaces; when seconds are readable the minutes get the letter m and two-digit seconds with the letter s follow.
3h19
